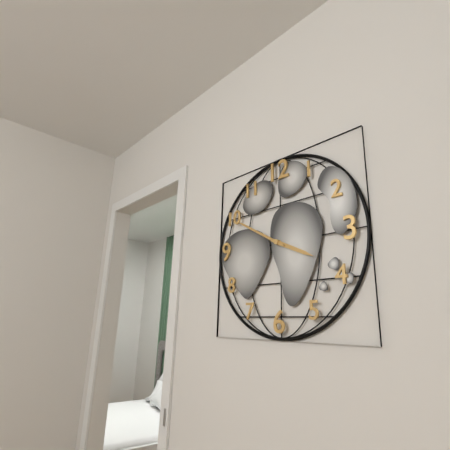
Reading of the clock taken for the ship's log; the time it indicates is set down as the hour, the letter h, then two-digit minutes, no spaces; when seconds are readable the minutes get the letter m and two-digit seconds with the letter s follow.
3h50
